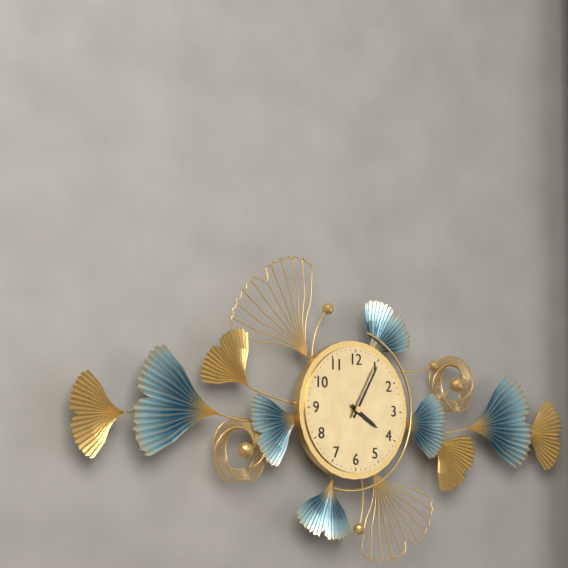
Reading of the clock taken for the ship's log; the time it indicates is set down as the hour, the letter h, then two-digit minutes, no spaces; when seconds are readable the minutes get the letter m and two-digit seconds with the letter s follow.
4h05
